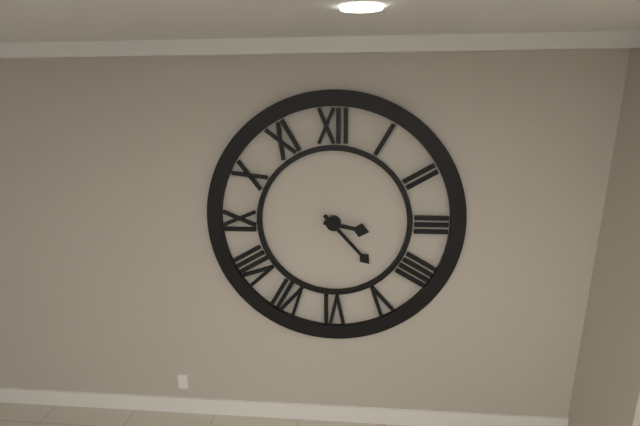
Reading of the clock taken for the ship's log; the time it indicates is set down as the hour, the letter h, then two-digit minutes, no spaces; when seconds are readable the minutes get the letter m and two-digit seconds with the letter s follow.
3h23
